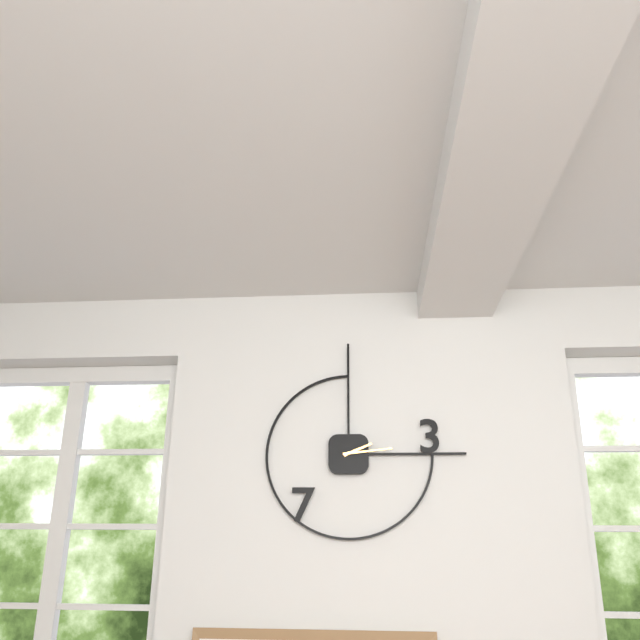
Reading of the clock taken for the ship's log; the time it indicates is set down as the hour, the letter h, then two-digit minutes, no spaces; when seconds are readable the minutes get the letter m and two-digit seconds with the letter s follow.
2h14
